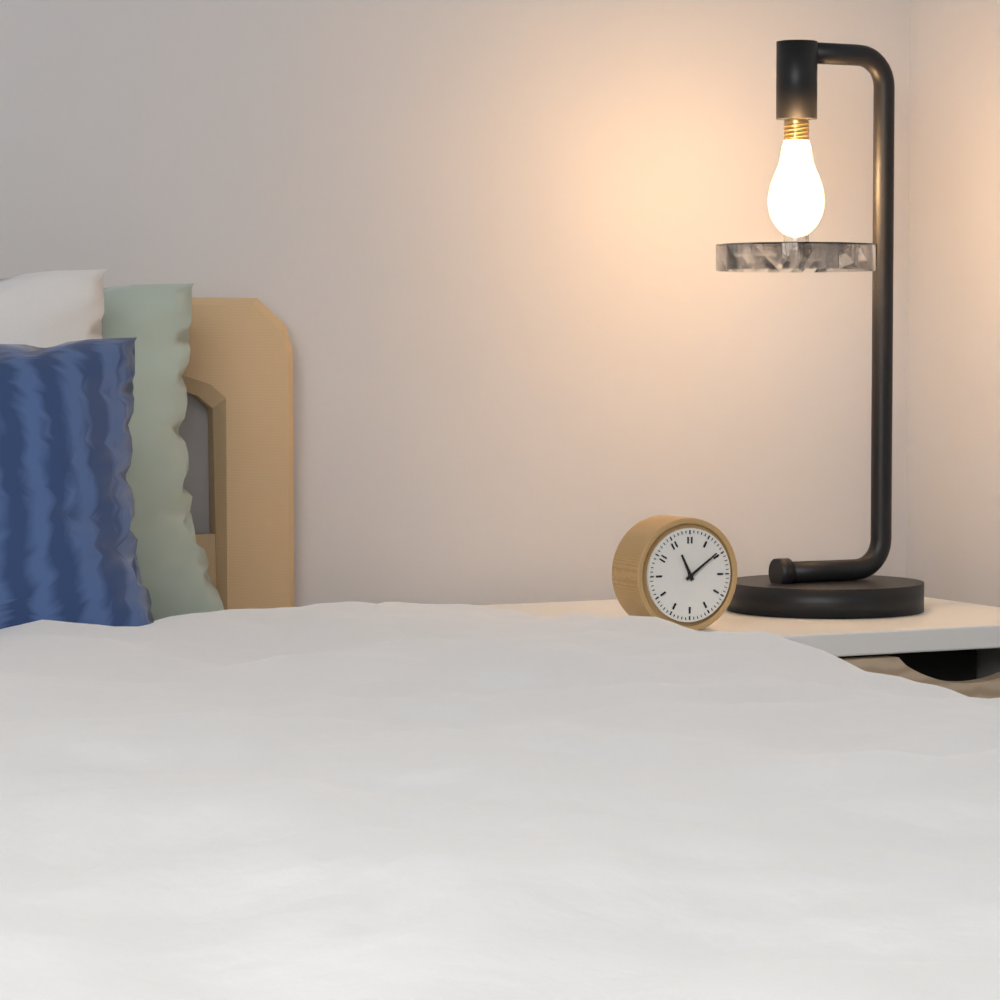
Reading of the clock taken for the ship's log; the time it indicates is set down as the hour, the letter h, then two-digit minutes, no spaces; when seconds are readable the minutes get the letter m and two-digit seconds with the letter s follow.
11h09
